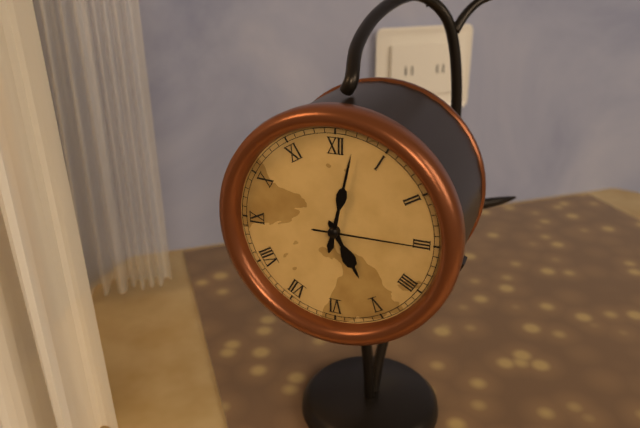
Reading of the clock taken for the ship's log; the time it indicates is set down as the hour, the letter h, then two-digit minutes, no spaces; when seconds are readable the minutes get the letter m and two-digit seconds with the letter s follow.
5h02m15s
